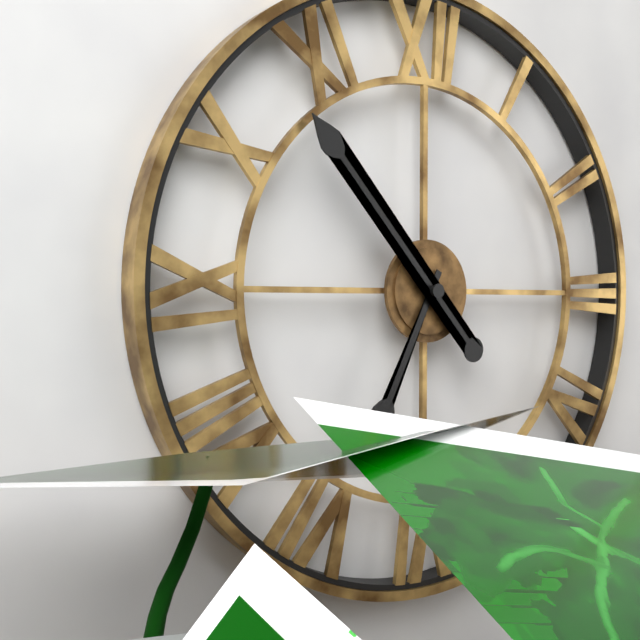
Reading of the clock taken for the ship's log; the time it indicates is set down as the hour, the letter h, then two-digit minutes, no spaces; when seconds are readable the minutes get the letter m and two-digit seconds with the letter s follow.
6h53
